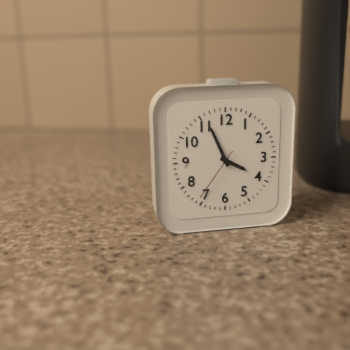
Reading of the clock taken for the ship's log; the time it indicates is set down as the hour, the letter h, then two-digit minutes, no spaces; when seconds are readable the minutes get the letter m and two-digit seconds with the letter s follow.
3h56m36s
